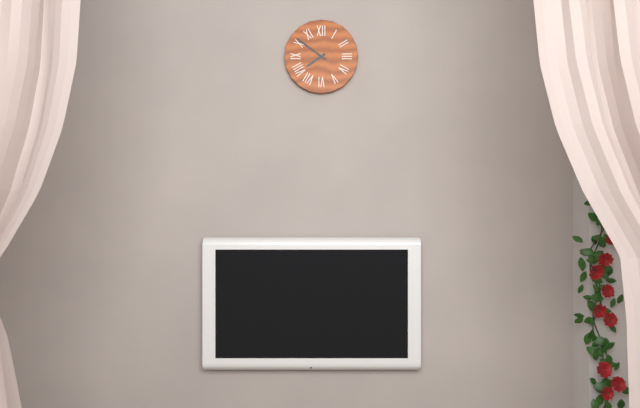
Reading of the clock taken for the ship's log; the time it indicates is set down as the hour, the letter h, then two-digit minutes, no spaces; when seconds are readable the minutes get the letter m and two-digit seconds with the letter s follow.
7h51
